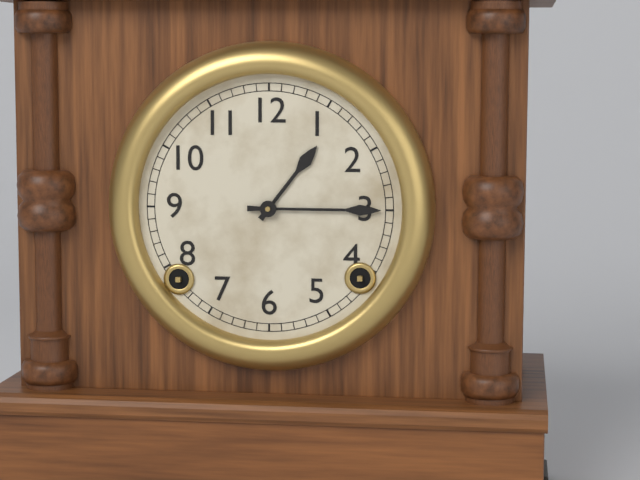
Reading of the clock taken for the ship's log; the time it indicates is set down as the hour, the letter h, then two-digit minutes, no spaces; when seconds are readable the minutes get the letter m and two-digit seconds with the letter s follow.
1h15
